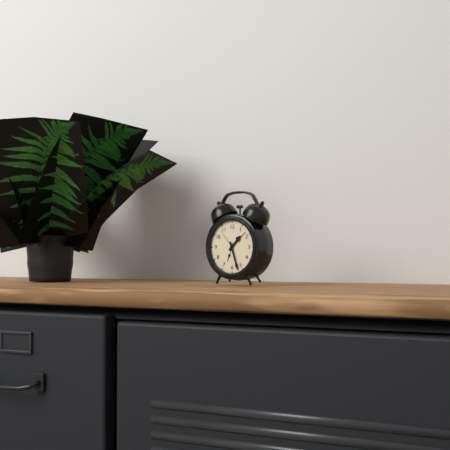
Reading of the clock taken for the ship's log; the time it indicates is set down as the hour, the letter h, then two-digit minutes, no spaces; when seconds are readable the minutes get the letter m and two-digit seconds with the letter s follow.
1h27
